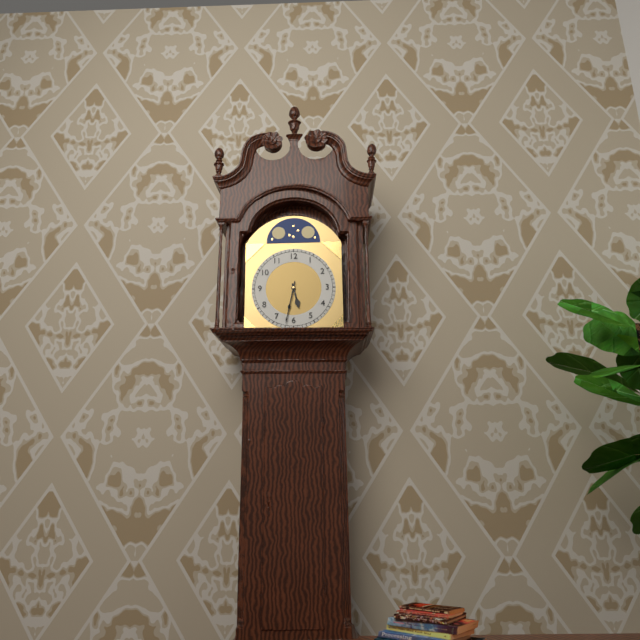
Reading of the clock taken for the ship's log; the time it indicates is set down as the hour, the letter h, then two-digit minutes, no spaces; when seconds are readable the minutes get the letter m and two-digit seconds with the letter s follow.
5h32
